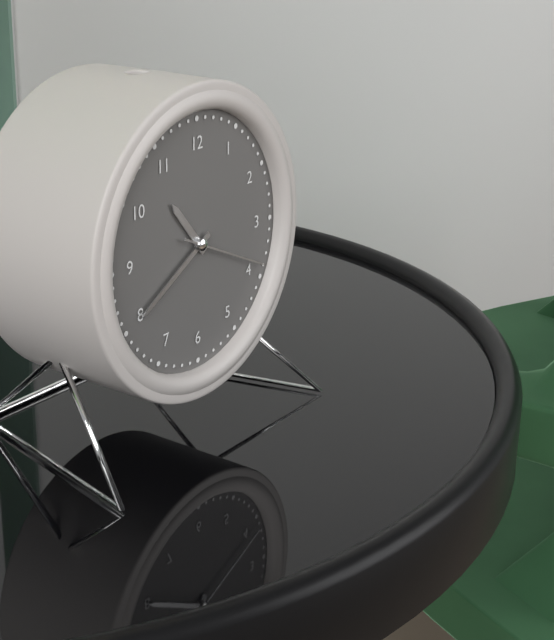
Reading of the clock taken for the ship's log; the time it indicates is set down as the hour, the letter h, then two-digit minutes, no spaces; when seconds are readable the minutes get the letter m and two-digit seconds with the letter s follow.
10h40m19s
